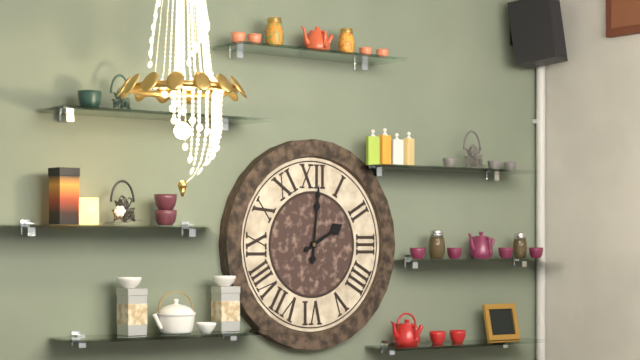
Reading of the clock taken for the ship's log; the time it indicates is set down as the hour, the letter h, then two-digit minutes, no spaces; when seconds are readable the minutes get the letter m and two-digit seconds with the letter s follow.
2h01
